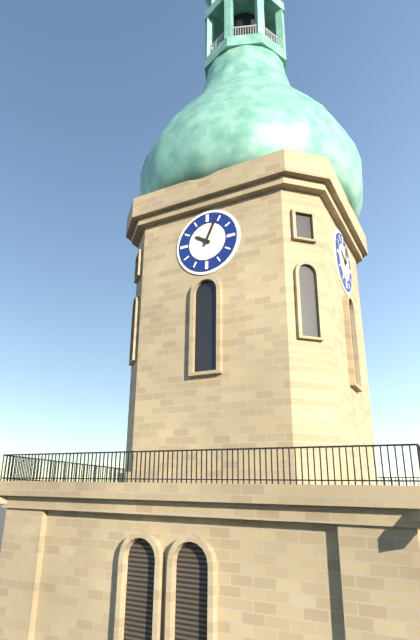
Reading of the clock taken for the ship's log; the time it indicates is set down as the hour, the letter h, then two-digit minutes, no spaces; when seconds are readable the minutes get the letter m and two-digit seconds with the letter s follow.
10h04
